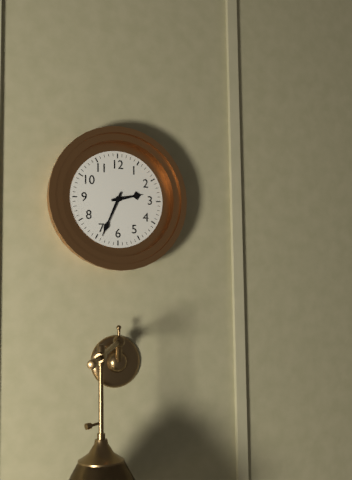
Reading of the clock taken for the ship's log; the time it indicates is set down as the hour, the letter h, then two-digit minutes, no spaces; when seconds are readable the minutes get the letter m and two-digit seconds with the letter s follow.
2h34
